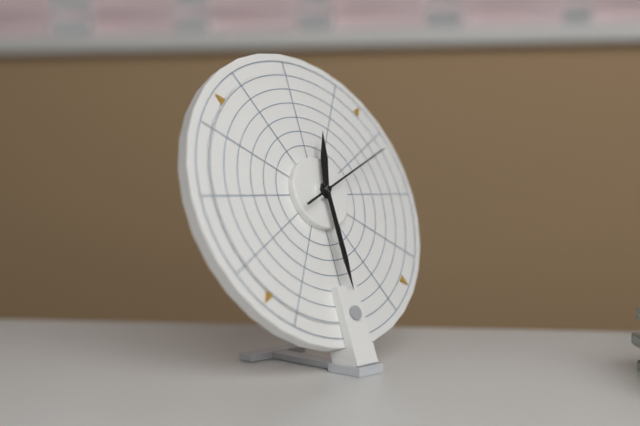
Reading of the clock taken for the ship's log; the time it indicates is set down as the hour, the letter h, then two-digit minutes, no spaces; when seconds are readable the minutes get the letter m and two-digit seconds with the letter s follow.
12h30m11s
